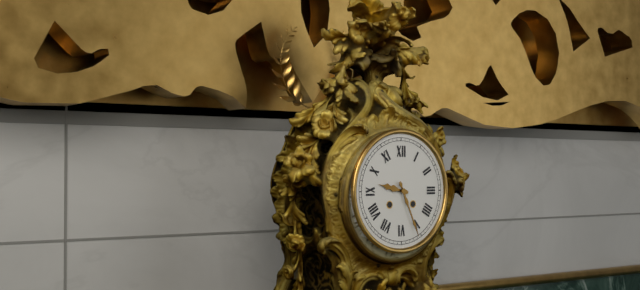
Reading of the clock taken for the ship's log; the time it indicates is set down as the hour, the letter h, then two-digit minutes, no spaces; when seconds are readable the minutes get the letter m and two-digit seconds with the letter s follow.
9h26
